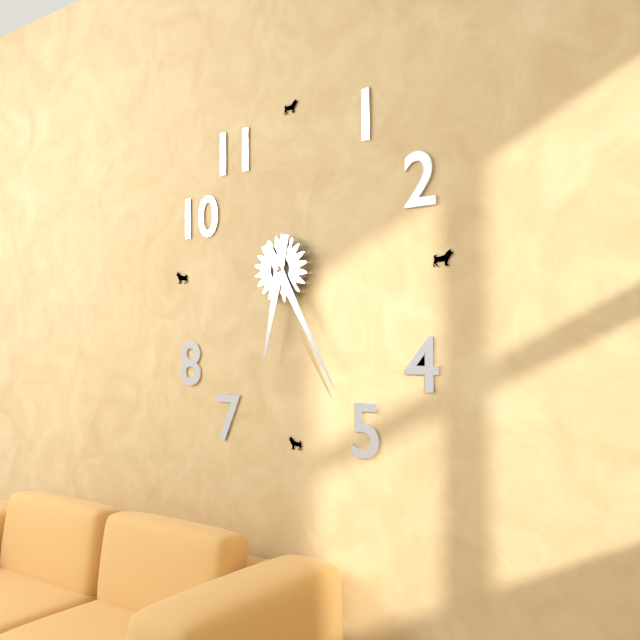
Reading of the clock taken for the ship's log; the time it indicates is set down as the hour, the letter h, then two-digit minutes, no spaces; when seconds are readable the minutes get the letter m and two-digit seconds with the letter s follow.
6h25
